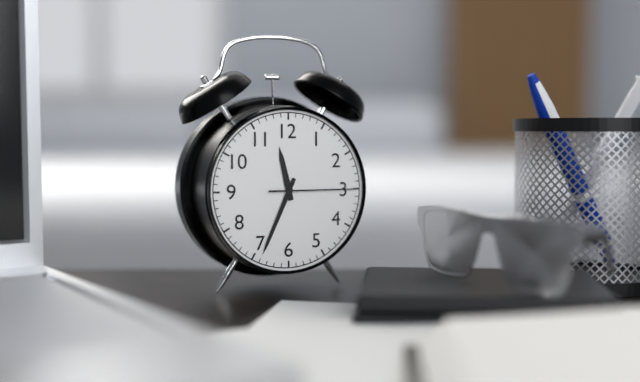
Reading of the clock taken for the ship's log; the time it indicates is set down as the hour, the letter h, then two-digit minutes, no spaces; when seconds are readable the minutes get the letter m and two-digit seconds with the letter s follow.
11h34m15s
